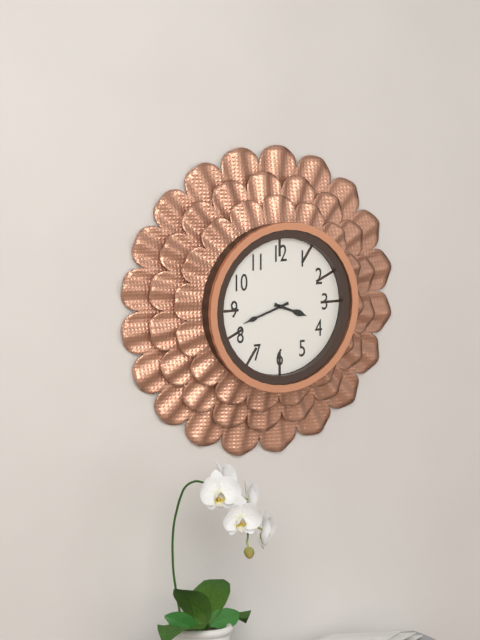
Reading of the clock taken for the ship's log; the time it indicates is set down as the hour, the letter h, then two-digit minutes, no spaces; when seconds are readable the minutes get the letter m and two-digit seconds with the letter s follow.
3h42
